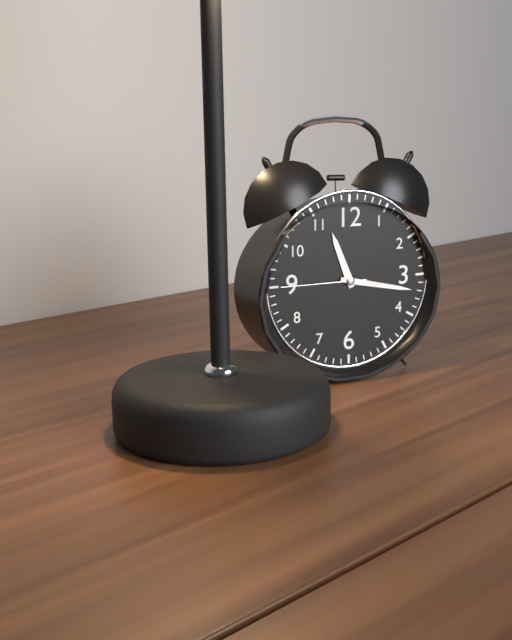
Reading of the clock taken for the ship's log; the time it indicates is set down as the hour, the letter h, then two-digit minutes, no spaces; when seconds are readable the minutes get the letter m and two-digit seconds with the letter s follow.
11h17m45s
